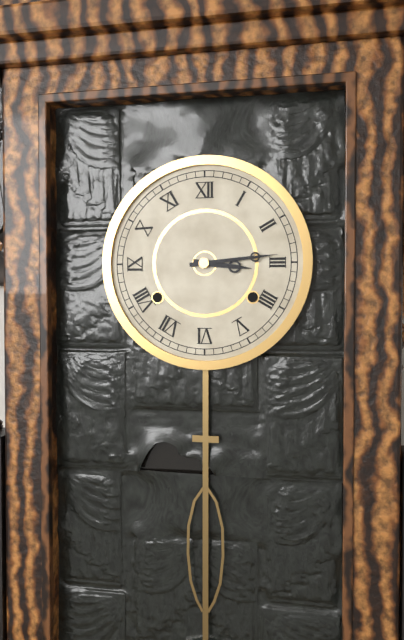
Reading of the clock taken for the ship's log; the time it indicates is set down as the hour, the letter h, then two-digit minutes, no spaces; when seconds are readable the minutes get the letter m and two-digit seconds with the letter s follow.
3h14
